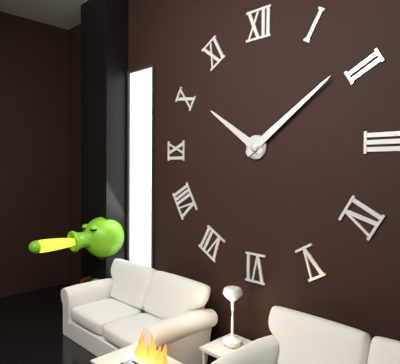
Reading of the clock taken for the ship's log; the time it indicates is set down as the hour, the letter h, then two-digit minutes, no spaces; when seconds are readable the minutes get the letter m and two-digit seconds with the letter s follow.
10h09
